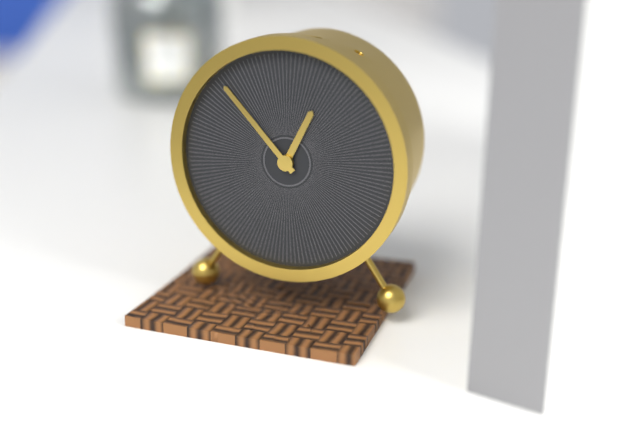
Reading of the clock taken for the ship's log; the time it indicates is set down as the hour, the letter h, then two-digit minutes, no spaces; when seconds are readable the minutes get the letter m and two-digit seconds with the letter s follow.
12h53
